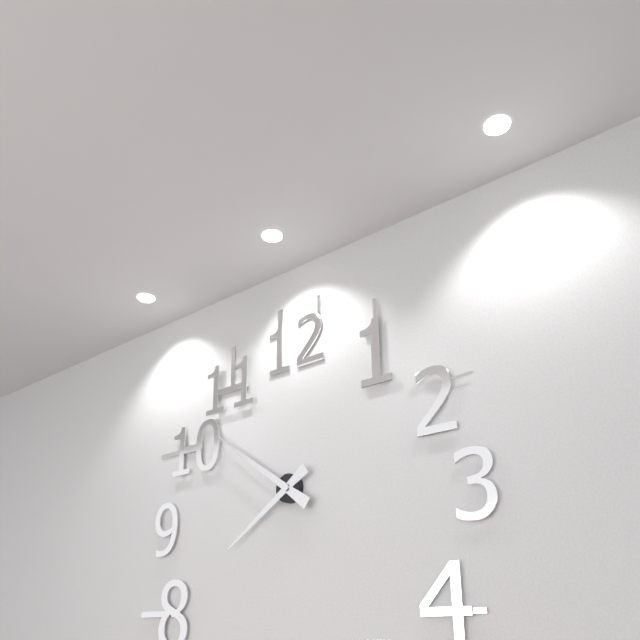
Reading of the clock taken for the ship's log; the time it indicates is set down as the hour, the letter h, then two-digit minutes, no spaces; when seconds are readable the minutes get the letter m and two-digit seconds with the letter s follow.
7h51
